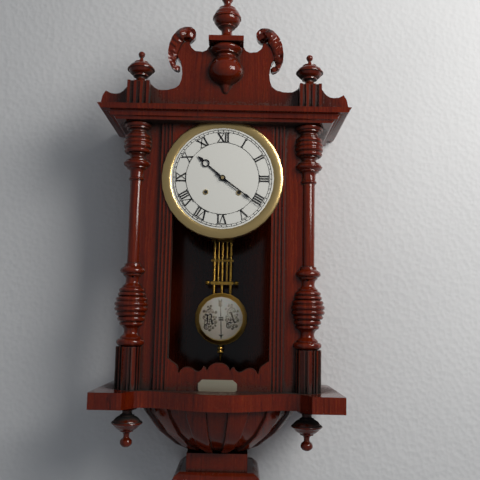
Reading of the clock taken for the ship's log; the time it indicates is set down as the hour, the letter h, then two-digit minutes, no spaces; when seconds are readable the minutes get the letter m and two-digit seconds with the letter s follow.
10h21
